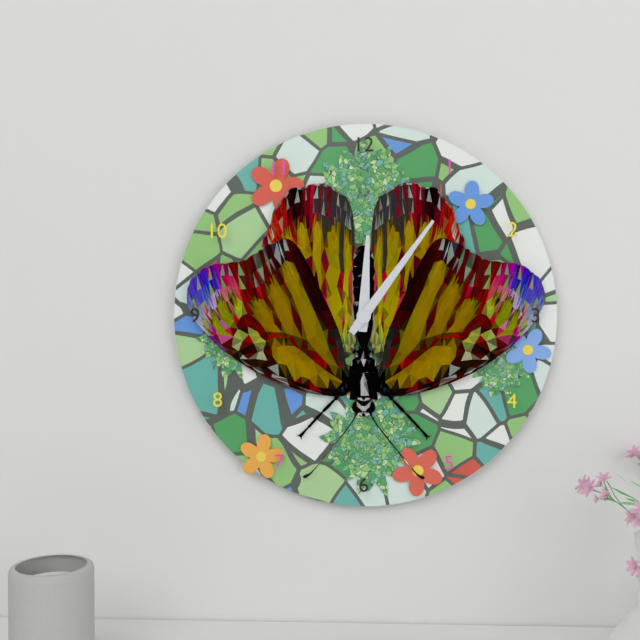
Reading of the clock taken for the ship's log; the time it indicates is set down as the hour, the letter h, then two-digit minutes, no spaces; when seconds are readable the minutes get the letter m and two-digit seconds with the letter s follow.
12h06
